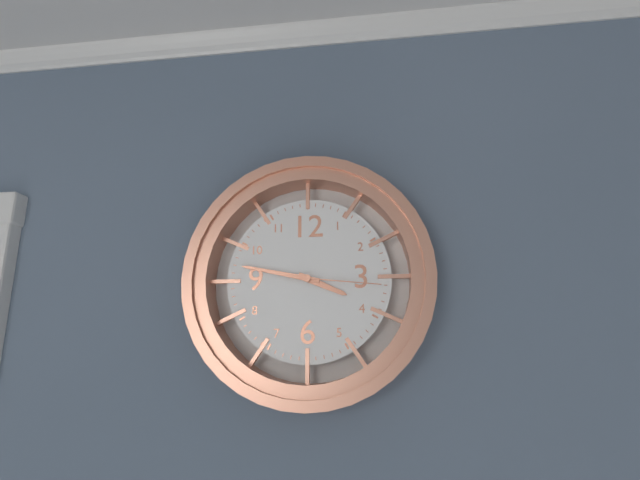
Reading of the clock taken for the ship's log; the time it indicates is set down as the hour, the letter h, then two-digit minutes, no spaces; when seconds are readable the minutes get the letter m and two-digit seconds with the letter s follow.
3h47m16s
